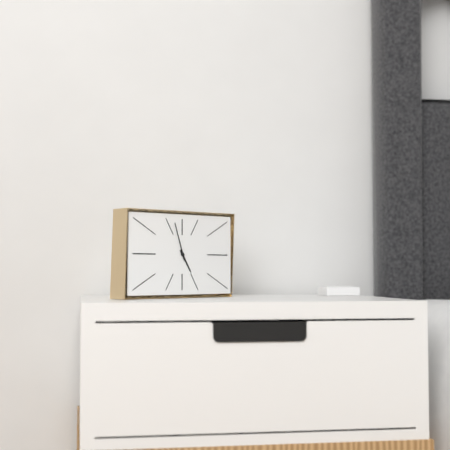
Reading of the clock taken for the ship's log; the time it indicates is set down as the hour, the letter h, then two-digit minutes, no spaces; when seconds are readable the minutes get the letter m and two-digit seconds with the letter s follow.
4h57
